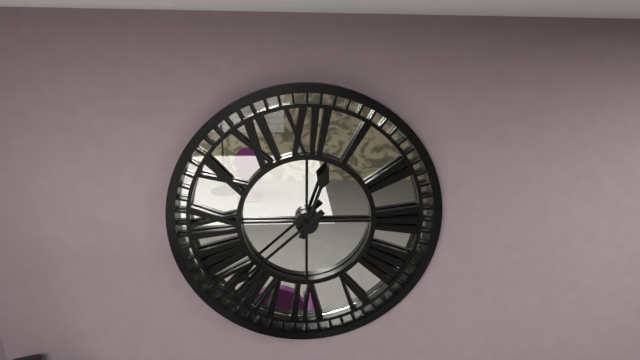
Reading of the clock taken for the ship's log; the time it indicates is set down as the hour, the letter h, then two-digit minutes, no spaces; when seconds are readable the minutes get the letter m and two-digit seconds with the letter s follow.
12h38
